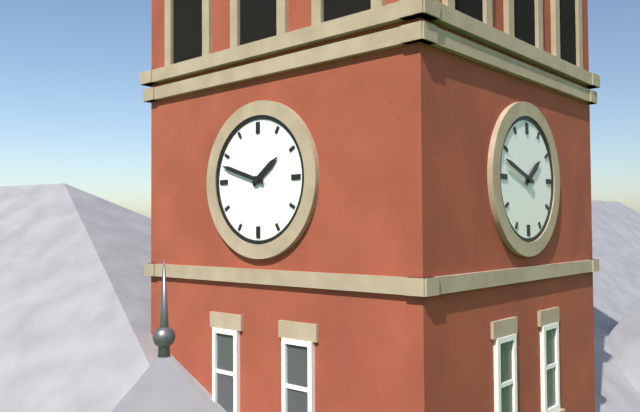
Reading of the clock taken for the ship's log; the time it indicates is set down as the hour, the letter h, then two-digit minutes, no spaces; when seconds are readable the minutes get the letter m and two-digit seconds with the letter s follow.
1h48
